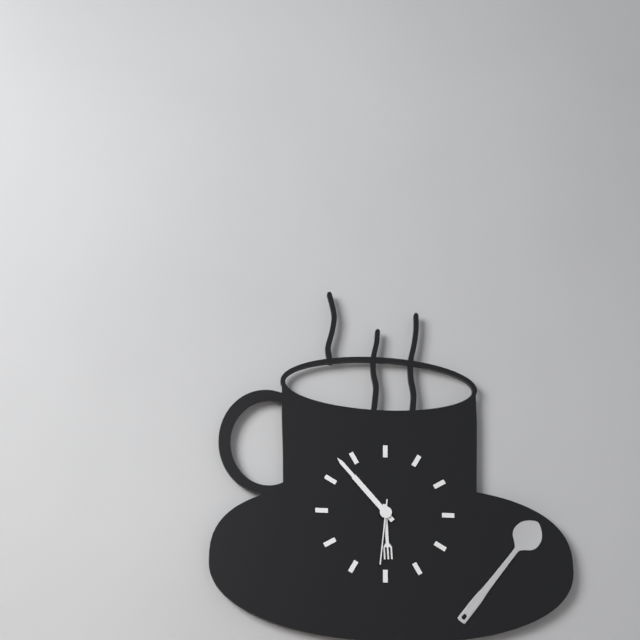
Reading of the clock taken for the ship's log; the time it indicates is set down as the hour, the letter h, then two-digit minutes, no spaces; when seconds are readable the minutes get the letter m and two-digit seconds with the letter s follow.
5h53m31s
